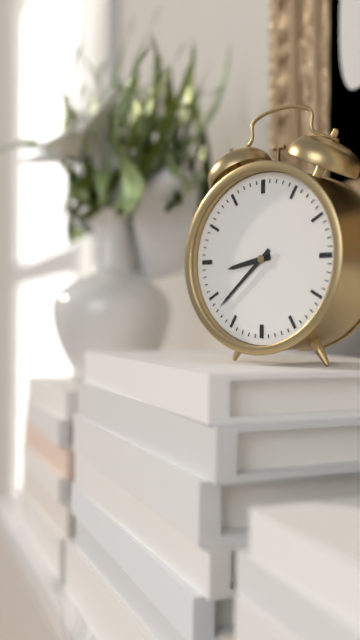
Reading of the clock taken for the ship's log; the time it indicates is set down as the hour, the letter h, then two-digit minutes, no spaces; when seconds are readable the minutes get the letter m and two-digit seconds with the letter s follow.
8h38
